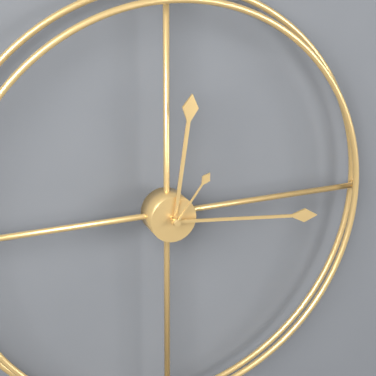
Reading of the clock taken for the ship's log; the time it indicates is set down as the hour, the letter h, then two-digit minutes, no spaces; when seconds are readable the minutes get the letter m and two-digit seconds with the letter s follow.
12h16m06s
